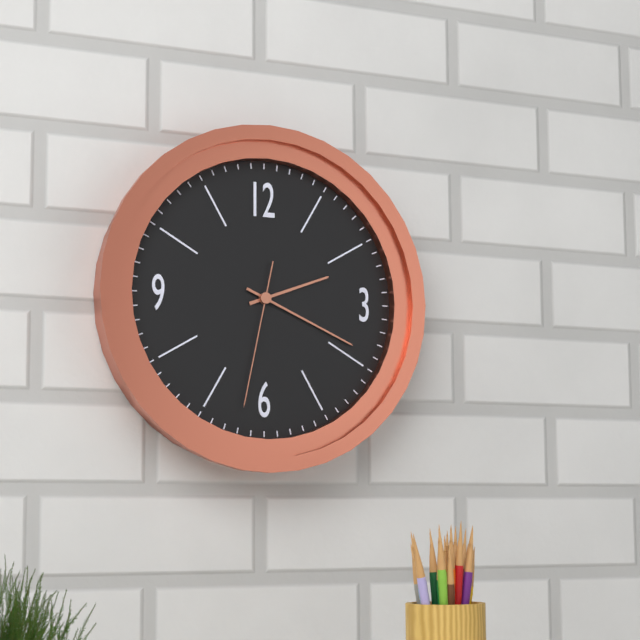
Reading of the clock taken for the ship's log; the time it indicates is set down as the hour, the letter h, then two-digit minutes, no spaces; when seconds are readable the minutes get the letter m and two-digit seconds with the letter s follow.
2h19m32s
